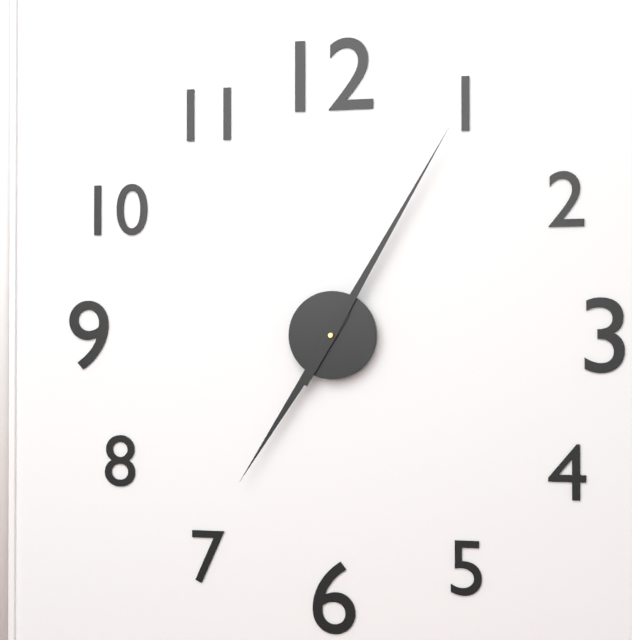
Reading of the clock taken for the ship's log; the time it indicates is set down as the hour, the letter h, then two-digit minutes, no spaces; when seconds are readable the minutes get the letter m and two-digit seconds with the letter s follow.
7h05
